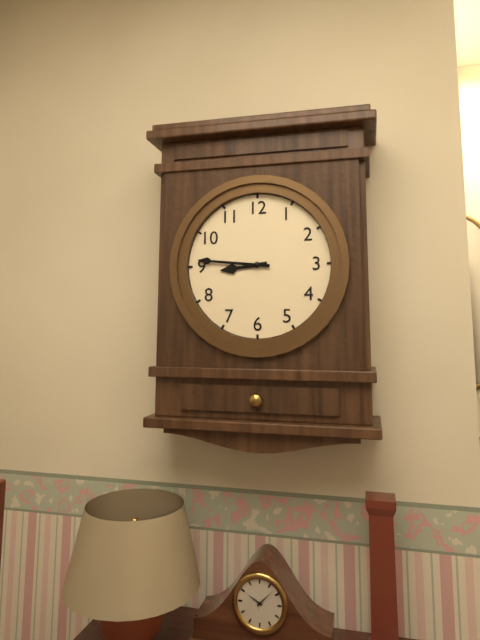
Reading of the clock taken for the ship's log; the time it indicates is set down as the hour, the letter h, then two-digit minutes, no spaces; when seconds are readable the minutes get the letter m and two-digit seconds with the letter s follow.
8h46
